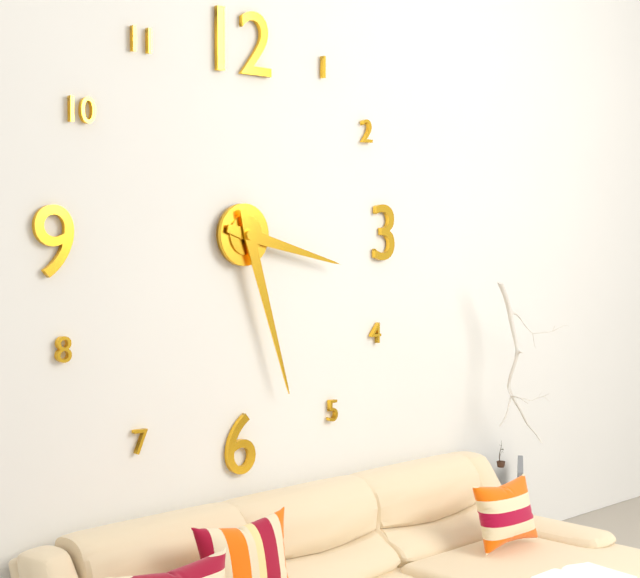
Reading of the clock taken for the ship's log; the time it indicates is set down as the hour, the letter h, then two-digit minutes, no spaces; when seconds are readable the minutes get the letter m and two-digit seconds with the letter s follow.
3h27
